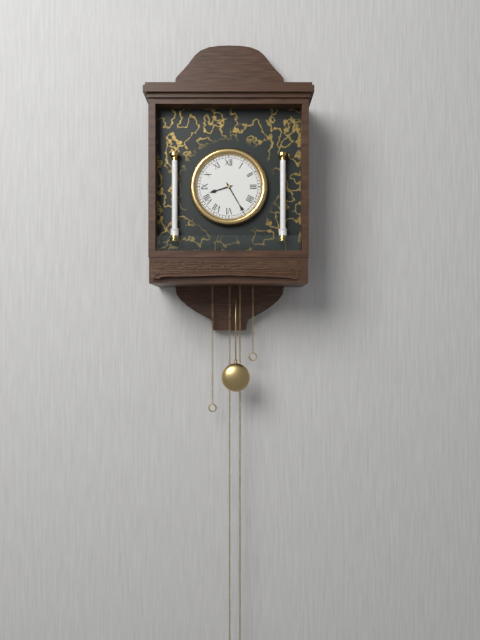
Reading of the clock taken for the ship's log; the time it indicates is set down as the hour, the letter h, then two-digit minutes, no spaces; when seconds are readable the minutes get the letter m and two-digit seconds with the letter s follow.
8h25
